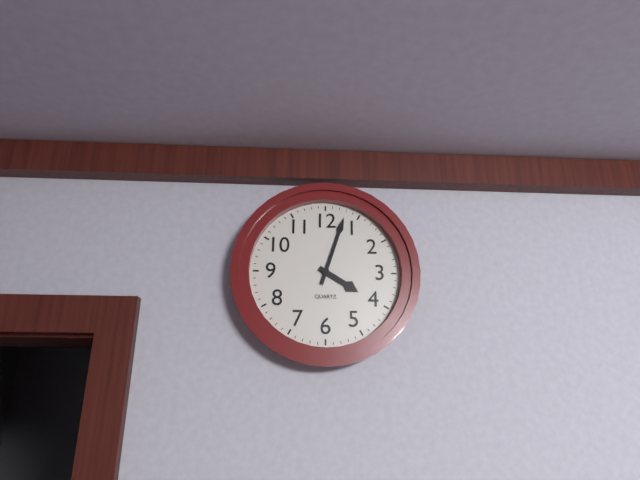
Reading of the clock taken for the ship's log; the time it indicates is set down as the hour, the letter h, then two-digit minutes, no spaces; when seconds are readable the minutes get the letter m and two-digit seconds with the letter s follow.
4h03
